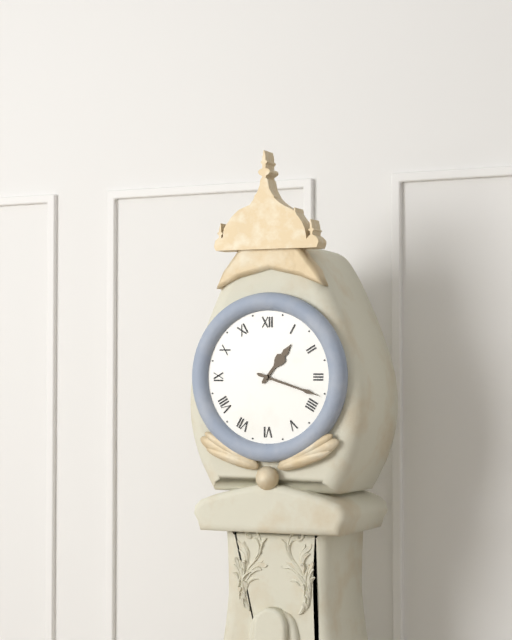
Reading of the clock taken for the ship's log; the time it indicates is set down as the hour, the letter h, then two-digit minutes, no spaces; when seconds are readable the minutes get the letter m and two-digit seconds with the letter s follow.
1h18
